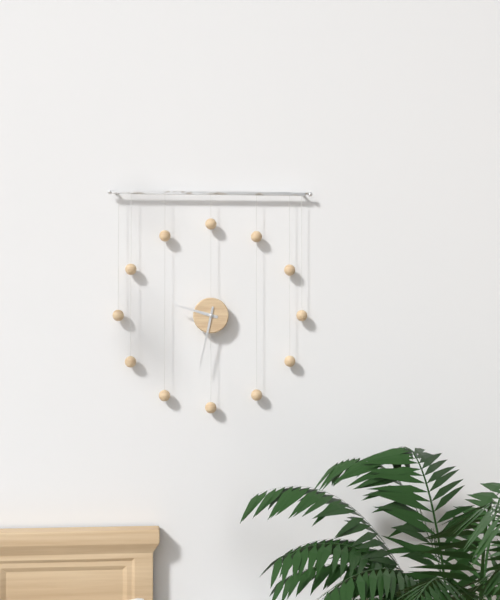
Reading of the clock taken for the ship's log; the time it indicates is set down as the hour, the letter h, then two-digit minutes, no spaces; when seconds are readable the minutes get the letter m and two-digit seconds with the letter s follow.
9h32
